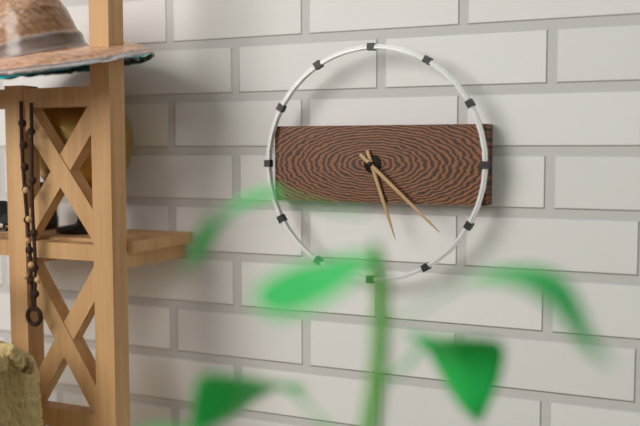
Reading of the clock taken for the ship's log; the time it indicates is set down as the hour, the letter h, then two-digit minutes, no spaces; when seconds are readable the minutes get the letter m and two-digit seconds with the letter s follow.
5h22
